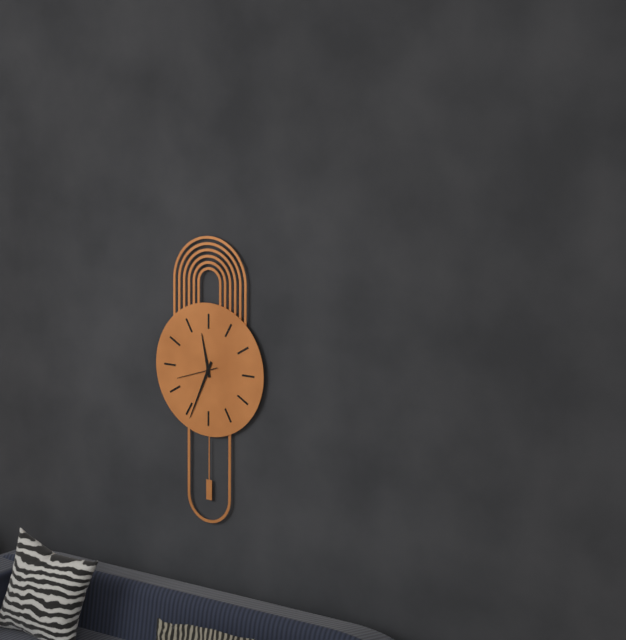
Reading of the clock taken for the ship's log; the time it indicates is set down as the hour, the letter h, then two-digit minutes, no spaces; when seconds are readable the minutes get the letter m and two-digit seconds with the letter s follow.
11h34
